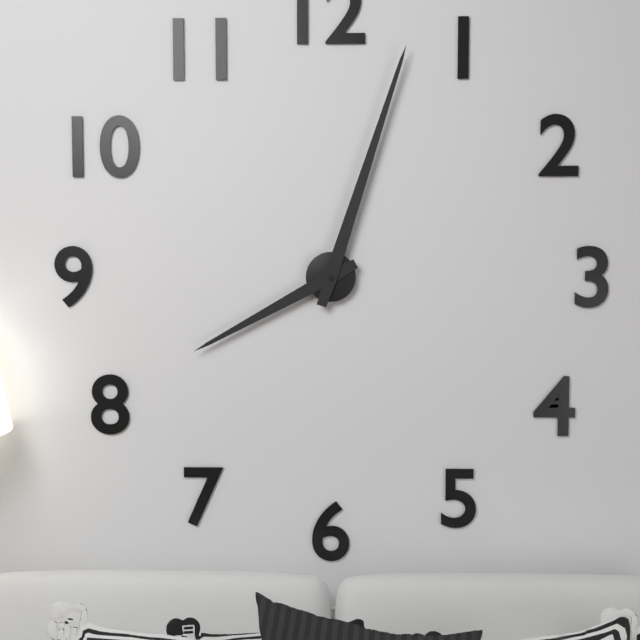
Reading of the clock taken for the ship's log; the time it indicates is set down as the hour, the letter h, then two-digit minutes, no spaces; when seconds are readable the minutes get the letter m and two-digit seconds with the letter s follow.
8h03
